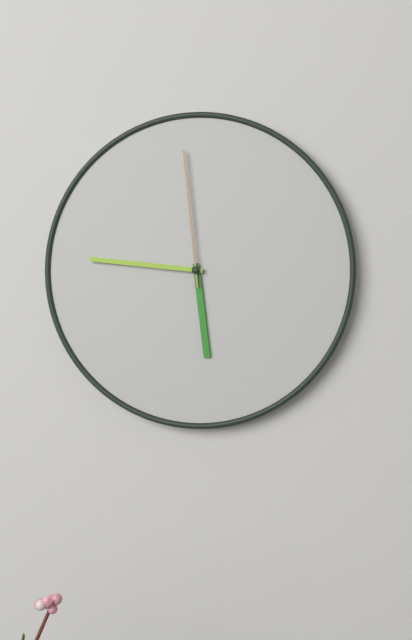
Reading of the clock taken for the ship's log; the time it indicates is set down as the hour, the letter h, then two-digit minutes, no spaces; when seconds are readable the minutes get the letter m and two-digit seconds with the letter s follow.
5h46m59s
